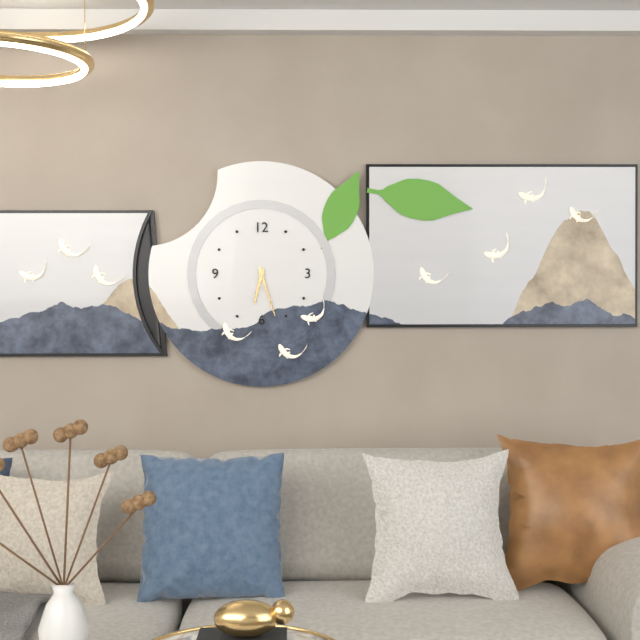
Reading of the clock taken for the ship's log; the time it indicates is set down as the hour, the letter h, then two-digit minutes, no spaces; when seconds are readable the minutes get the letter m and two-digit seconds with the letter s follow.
6h27
